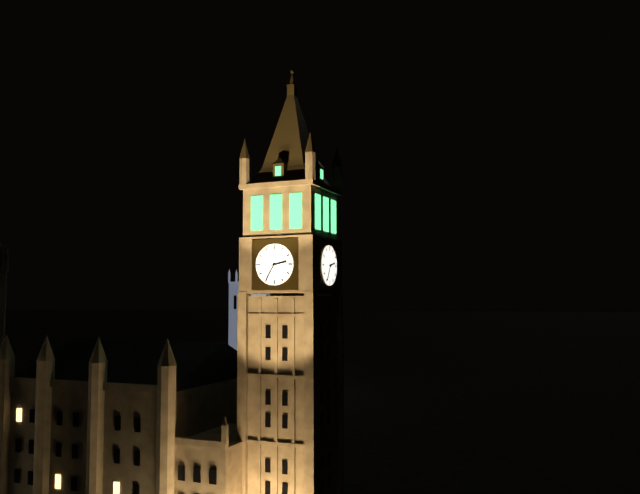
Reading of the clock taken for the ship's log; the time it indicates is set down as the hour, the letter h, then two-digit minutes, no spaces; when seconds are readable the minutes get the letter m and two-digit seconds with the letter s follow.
2h35
